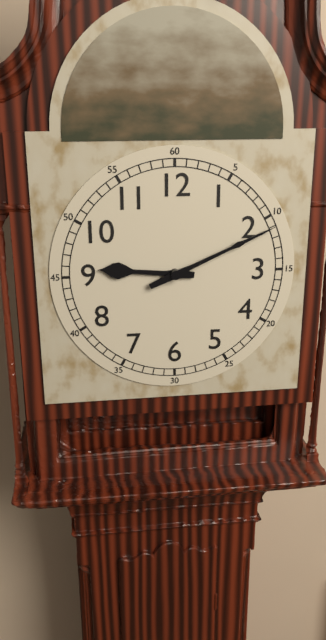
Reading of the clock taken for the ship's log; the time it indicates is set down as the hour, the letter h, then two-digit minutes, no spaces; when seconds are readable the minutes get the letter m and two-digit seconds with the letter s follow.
9h11
